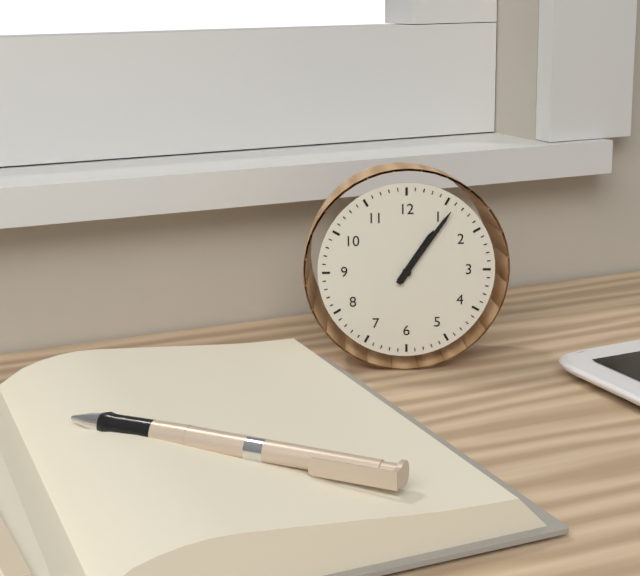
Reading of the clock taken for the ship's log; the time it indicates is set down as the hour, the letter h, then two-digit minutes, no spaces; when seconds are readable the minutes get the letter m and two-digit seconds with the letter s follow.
1h06
